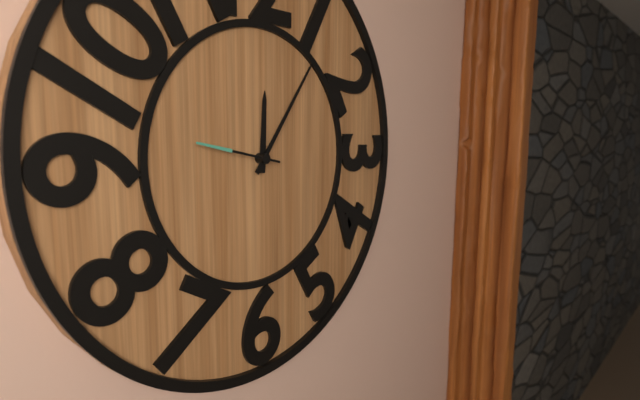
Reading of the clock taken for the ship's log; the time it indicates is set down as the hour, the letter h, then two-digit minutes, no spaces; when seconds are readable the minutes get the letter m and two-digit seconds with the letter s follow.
12h06m47s
